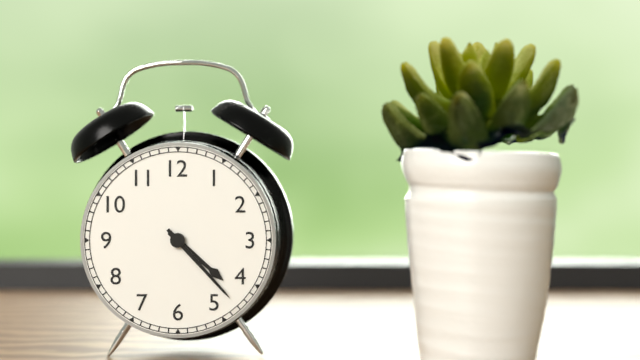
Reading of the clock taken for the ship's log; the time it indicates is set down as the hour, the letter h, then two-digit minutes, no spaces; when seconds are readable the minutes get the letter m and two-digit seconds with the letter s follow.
4h23
